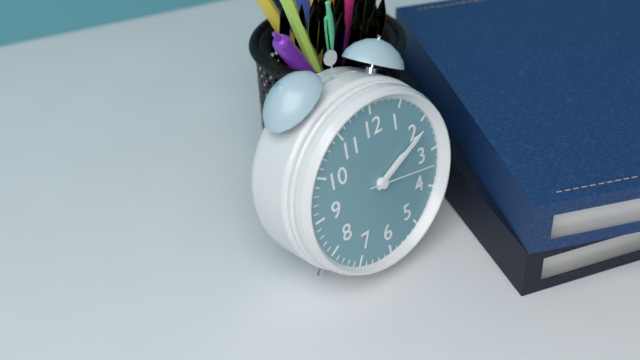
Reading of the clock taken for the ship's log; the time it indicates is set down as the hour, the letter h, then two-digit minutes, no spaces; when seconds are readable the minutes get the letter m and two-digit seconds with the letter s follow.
2h11m17s
